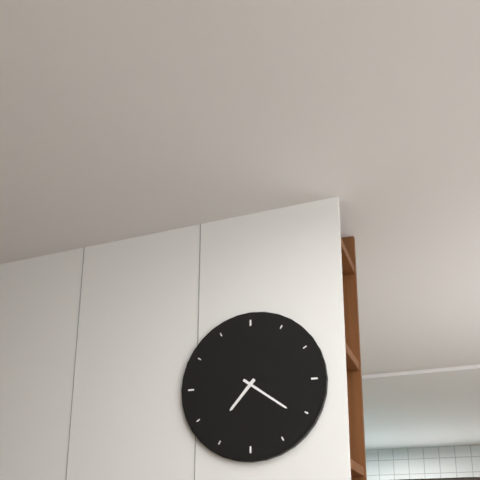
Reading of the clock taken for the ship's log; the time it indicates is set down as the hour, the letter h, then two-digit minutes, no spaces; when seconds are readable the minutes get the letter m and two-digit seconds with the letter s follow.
7h21
